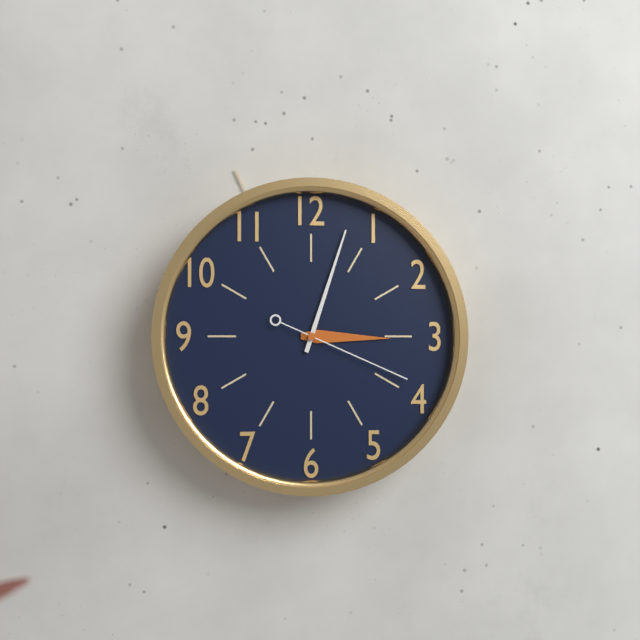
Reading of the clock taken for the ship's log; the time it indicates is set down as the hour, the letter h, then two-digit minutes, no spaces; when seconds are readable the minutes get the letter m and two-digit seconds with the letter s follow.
3h03m19s
